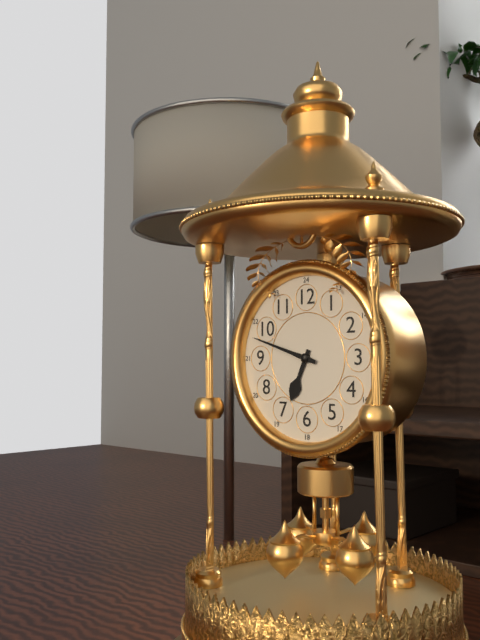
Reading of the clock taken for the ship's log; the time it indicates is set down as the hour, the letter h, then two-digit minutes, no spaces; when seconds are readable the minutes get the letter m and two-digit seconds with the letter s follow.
6h48
